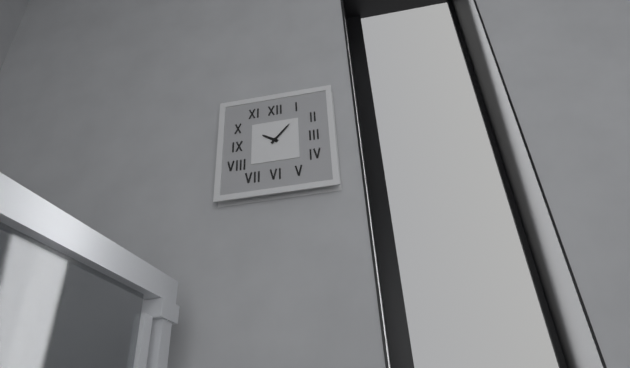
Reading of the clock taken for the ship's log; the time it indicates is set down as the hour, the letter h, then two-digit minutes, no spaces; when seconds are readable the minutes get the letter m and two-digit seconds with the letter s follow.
10h07
